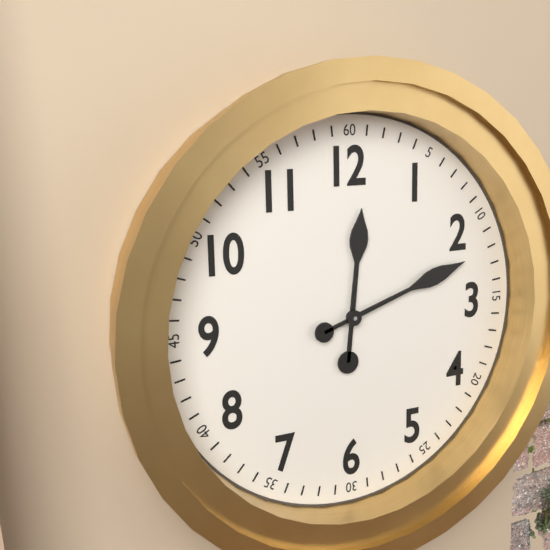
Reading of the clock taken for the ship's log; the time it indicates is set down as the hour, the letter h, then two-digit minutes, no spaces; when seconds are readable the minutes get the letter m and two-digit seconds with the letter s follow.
12h12
